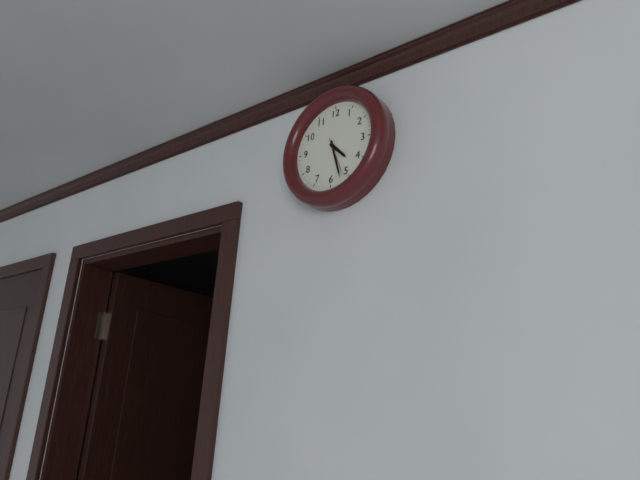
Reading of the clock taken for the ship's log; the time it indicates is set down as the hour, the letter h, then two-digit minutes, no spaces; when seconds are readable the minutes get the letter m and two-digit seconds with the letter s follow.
4h27
